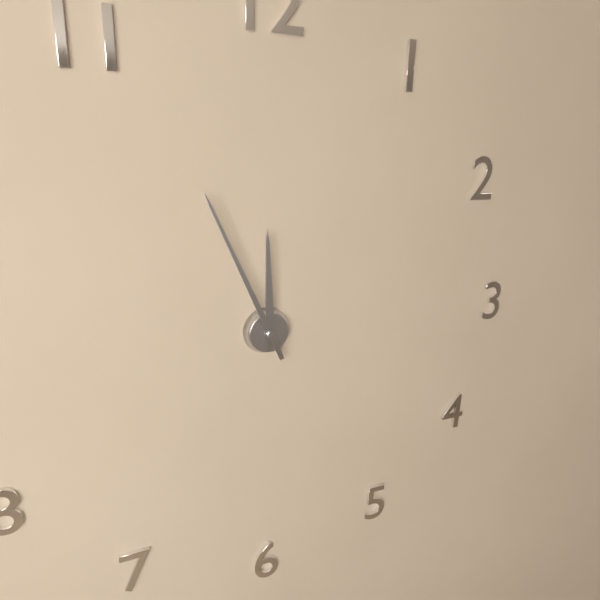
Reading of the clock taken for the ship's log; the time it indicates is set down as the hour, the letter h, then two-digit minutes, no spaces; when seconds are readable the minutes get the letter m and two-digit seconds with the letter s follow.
11h56
